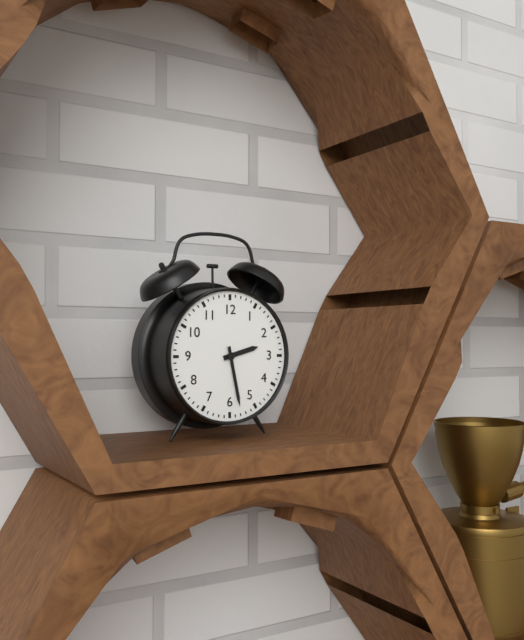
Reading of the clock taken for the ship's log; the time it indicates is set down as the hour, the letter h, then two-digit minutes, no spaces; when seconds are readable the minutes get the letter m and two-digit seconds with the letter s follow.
2h28
